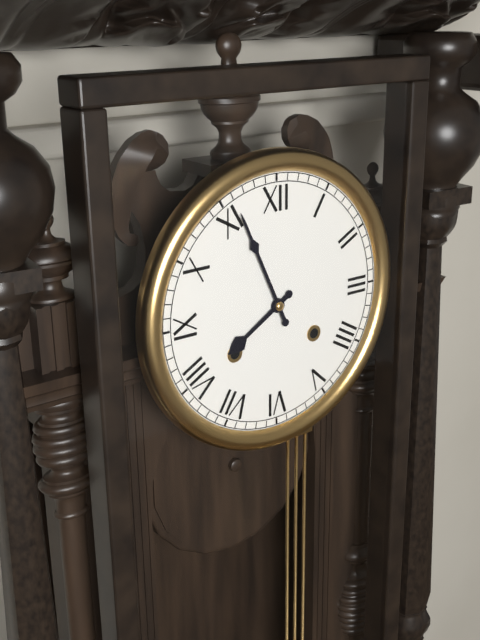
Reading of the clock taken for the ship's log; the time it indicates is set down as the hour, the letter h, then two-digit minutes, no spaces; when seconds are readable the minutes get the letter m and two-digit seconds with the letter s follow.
7h56
